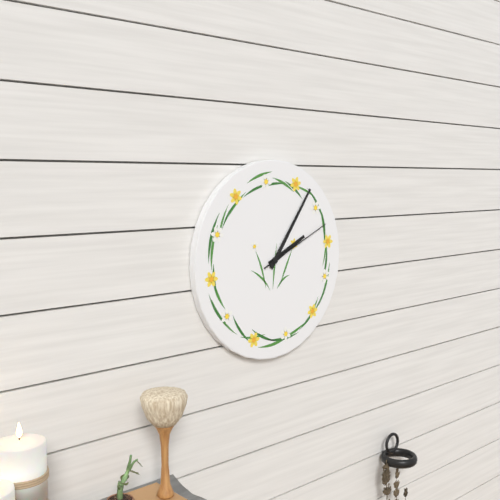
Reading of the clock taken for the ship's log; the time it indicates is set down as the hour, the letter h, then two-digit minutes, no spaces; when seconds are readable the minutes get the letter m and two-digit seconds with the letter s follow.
2h06m11s
